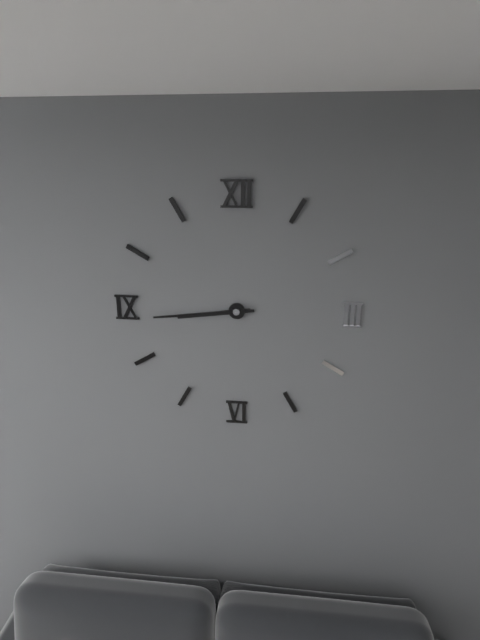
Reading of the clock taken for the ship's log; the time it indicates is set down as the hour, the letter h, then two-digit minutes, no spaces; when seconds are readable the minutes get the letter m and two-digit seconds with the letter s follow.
8h44
